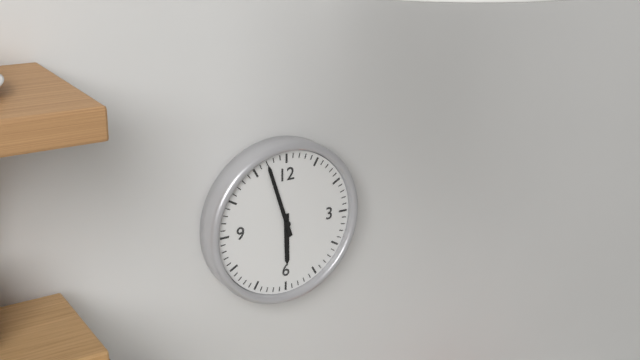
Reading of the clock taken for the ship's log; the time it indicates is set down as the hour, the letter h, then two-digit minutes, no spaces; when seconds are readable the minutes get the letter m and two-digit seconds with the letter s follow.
5h57
